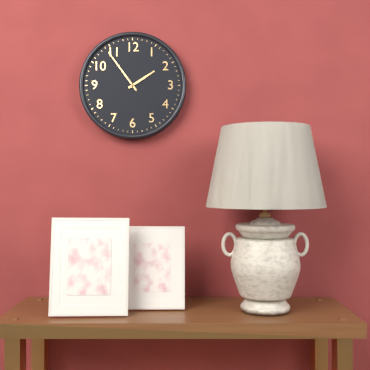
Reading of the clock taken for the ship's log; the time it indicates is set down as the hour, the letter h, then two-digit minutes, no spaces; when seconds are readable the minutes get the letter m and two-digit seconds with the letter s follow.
1h54
